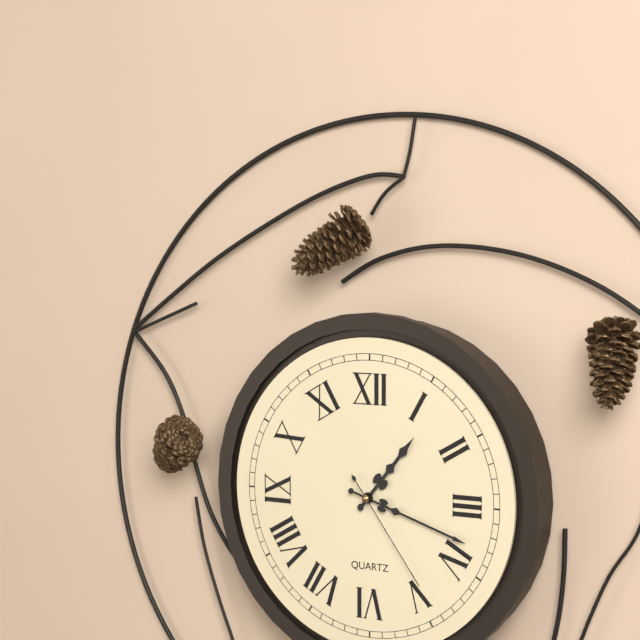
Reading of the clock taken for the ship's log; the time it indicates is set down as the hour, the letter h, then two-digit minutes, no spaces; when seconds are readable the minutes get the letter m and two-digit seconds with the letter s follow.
1h18m24s
